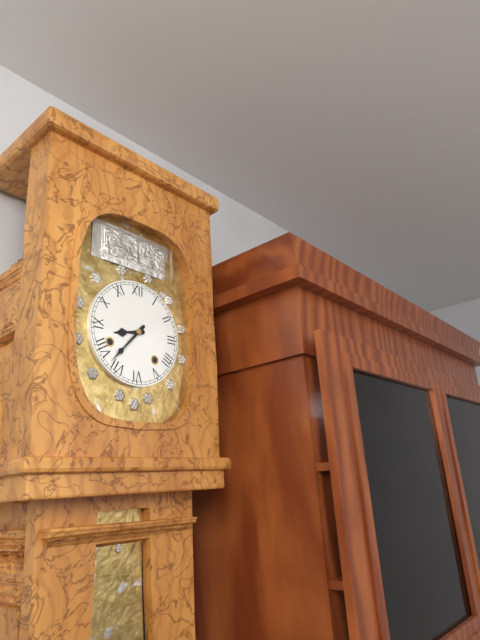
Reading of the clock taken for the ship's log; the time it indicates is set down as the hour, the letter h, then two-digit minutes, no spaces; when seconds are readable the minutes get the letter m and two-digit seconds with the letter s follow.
8h37
